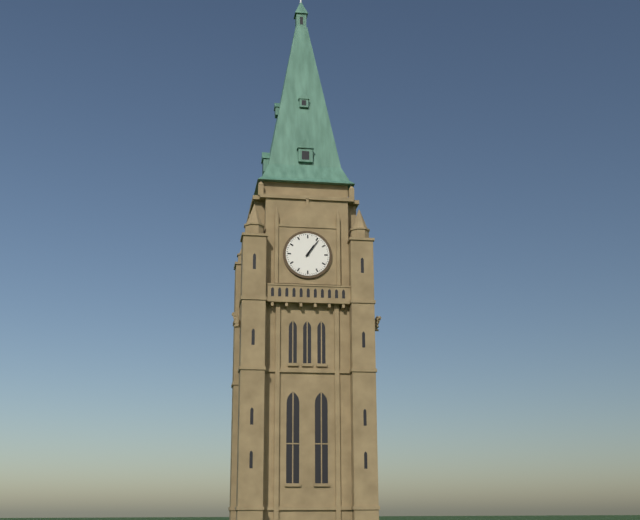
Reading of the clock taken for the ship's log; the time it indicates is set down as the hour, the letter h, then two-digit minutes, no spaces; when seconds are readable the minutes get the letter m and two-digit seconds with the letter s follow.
1h06
